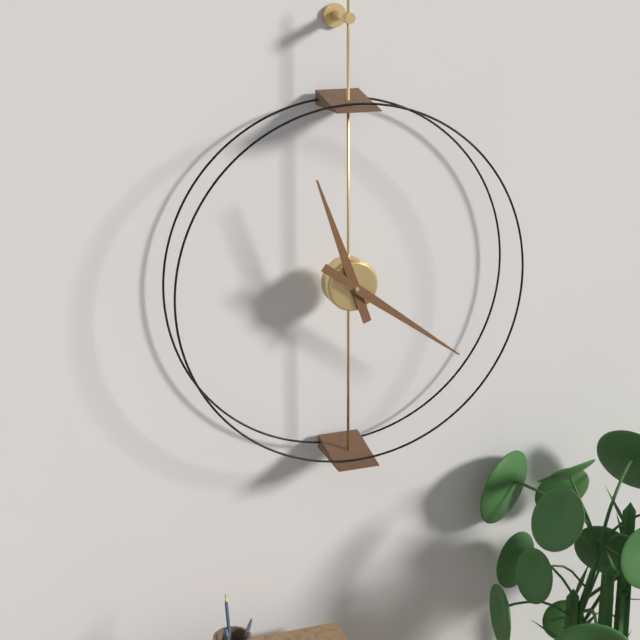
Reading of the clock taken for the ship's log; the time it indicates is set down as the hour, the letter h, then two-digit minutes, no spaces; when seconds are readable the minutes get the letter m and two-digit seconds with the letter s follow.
11h21
